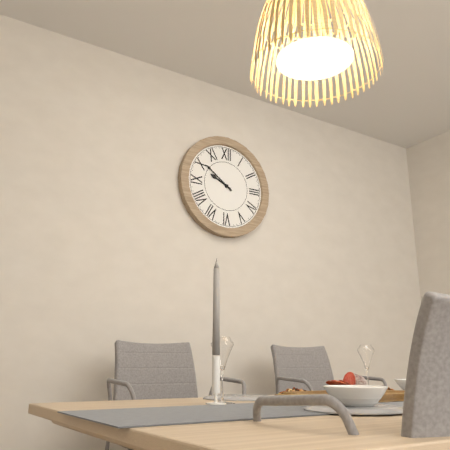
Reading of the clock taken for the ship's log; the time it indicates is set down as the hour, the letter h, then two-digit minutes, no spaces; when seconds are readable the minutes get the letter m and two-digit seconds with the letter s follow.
9h51
